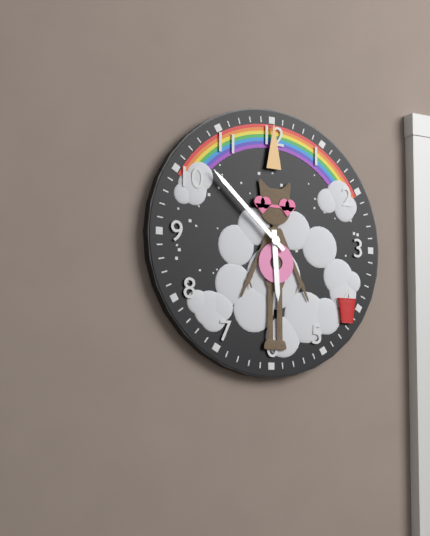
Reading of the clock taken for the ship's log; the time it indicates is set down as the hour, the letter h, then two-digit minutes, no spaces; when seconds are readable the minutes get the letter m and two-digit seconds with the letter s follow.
5h52
